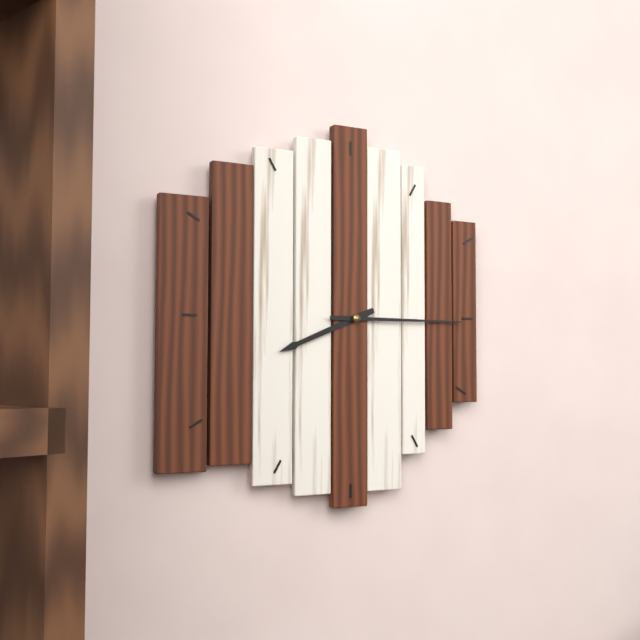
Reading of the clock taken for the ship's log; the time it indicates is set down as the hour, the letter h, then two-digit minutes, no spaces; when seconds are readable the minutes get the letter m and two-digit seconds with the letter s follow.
8h15
